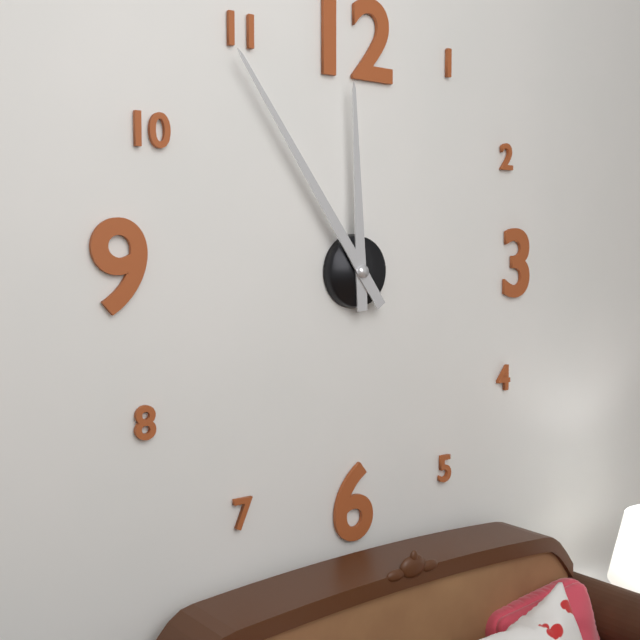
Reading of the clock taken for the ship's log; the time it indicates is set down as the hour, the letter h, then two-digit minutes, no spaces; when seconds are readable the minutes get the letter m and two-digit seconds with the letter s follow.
11h54
